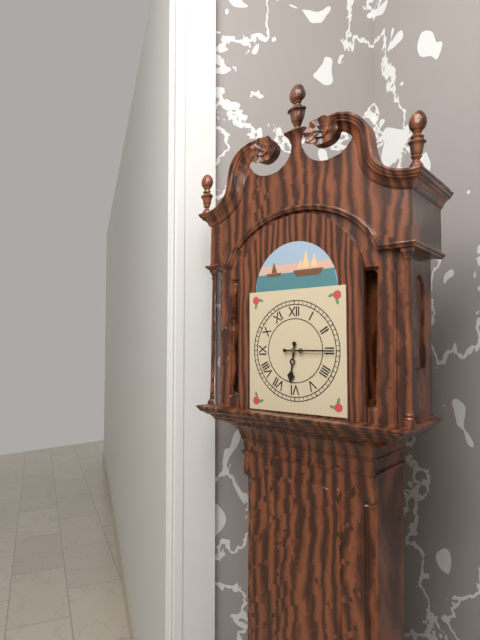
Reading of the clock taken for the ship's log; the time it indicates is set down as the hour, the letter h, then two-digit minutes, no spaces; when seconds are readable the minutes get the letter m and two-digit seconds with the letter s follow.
6h15
